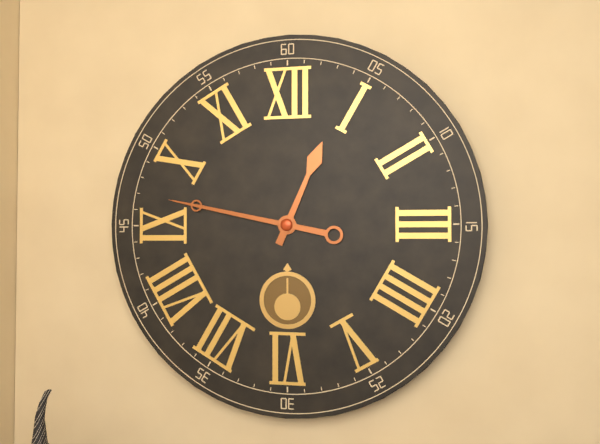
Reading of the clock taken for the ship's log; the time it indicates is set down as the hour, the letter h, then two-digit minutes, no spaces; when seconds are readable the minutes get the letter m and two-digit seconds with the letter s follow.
12h47
